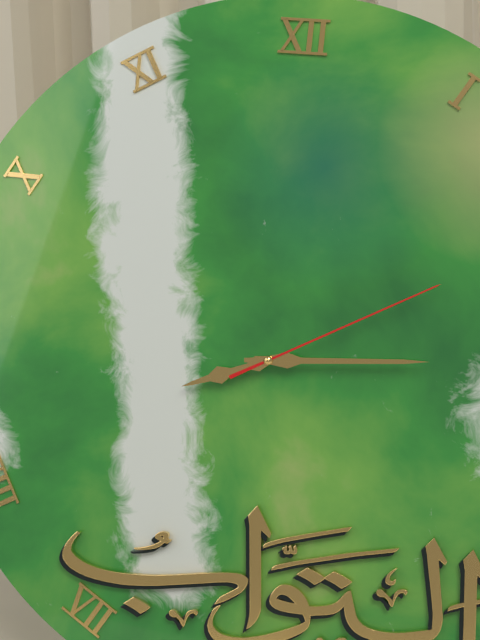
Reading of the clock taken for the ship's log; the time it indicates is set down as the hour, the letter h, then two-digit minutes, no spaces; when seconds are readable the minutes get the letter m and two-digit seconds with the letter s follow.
8h14m10s
